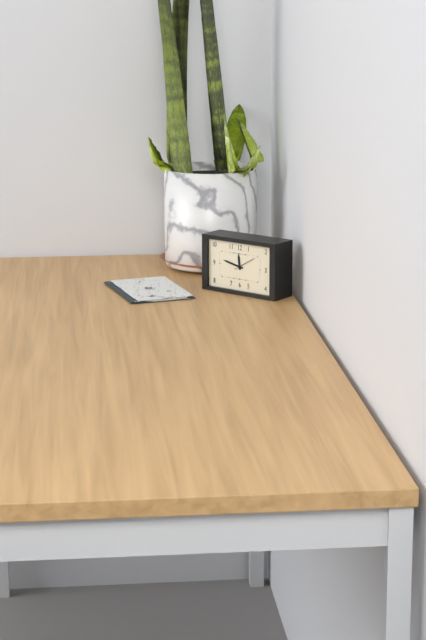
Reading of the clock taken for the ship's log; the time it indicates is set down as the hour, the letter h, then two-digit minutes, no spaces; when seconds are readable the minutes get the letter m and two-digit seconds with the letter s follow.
11h47
